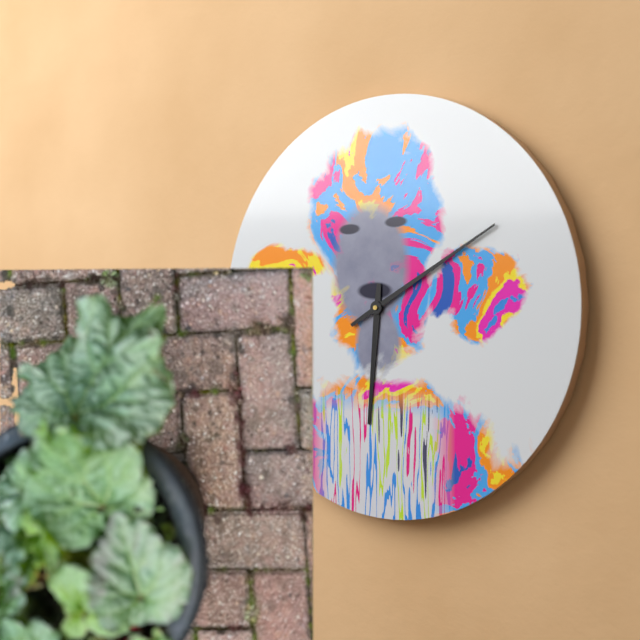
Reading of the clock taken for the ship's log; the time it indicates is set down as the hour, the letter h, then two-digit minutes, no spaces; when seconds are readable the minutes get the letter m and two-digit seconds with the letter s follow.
6h10
